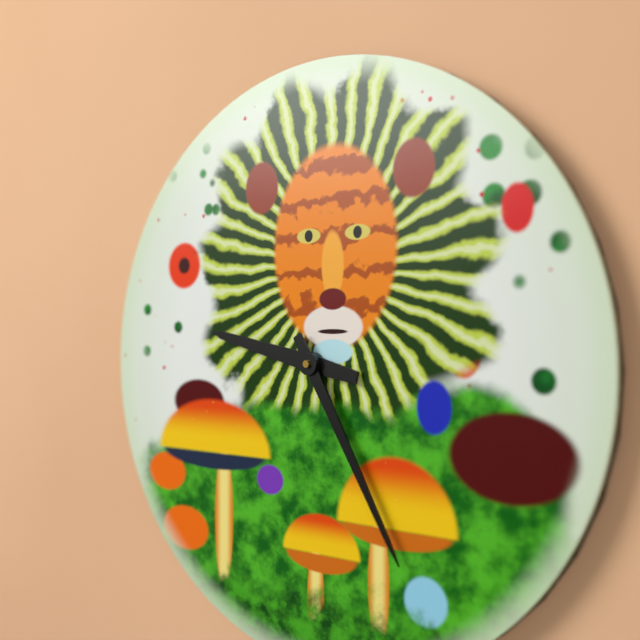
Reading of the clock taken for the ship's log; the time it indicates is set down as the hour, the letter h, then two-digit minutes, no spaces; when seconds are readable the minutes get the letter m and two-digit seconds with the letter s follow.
9h25
